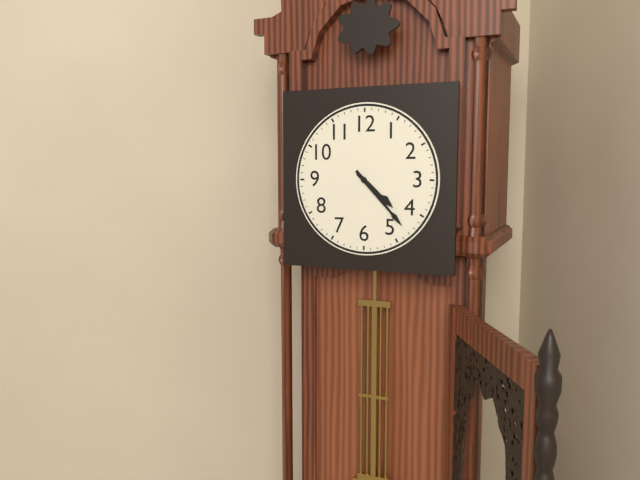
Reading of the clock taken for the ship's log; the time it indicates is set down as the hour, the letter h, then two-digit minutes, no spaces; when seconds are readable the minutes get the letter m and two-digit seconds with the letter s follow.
4h23
